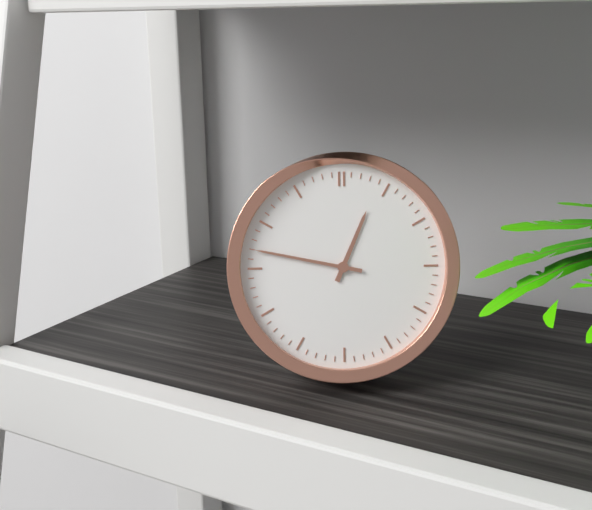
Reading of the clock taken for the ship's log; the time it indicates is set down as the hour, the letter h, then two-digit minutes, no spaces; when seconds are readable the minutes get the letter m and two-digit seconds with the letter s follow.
12h47
